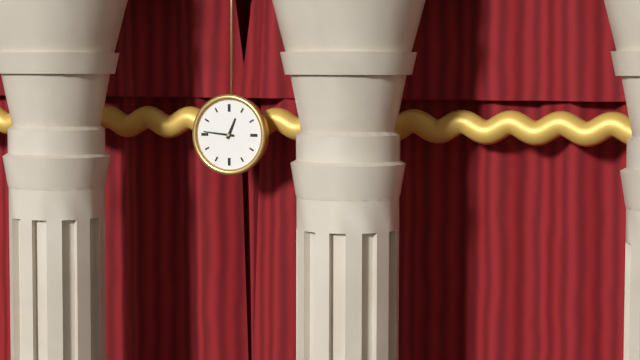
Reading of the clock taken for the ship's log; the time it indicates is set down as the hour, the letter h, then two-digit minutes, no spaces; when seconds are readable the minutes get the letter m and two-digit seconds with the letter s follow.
12h46
